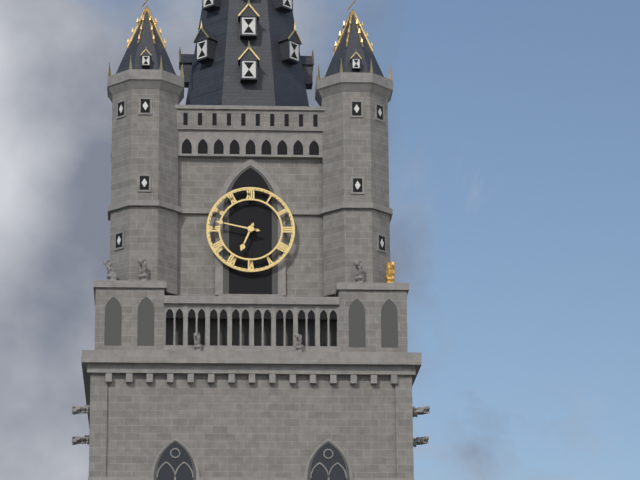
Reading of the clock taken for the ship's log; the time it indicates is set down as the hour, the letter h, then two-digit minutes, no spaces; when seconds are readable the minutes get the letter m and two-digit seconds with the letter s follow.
6h47
